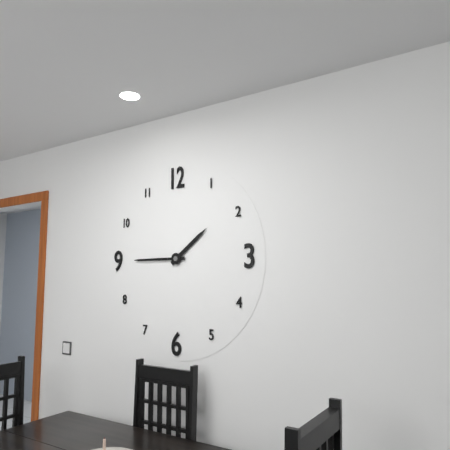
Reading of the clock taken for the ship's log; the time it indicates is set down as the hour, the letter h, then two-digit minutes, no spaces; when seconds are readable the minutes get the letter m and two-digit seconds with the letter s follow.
1h45
